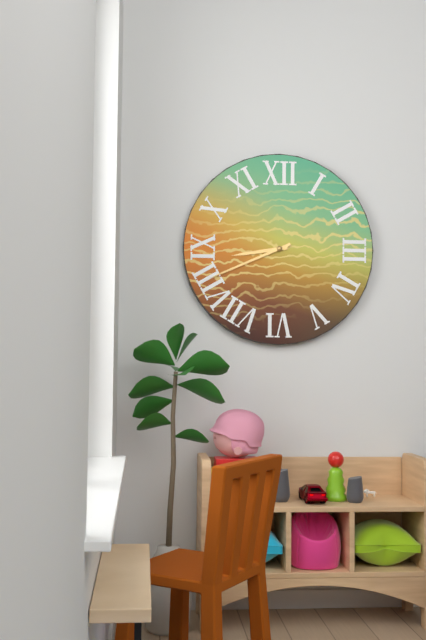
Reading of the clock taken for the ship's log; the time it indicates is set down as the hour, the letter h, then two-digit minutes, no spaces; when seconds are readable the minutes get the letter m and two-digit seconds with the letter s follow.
8h41
